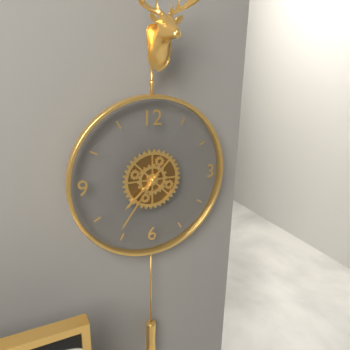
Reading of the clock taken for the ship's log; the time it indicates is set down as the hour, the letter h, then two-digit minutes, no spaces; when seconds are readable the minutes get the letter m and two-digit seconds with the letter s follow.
7h36
